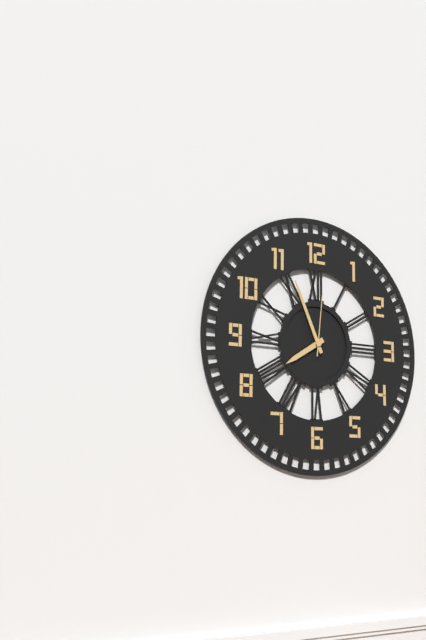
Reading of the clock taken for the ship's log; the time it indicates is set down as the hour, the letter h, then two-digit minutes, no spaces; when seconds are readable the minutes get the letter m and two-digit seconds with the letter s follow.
7h56m01s
